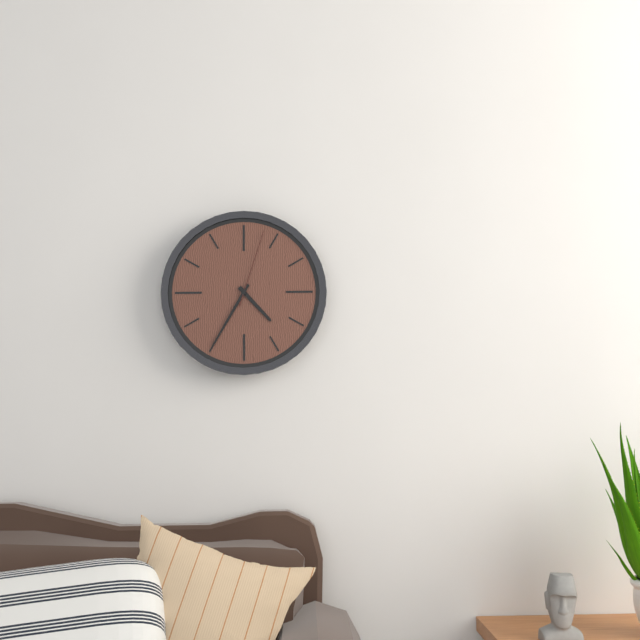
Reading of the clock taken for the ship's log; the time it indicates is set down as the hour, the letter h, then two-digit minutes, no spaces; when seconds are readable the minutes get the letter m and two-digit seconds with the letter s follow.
4h35m03s
